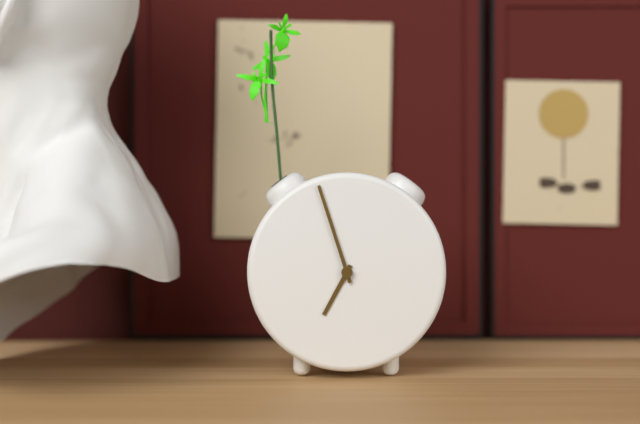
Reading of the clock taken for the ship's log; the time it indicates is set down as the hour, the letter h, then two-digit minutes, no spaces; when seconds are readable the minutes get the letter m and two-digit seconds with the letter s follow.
6h57
